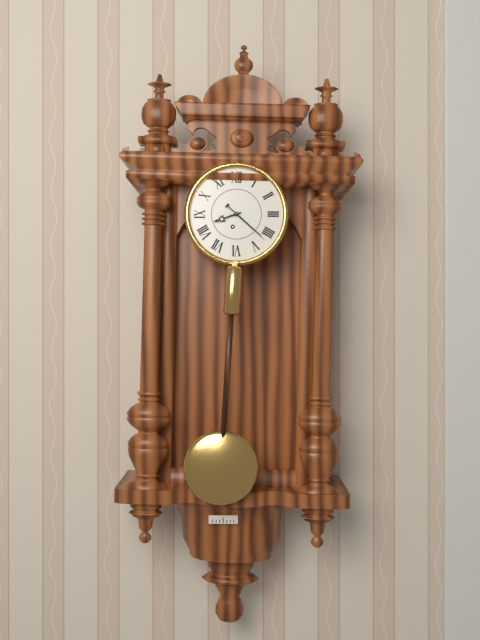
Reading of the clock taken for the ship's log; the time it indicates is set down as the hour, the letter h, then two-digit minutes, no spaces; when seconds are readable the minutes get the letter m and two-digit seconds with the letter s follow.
8h22
